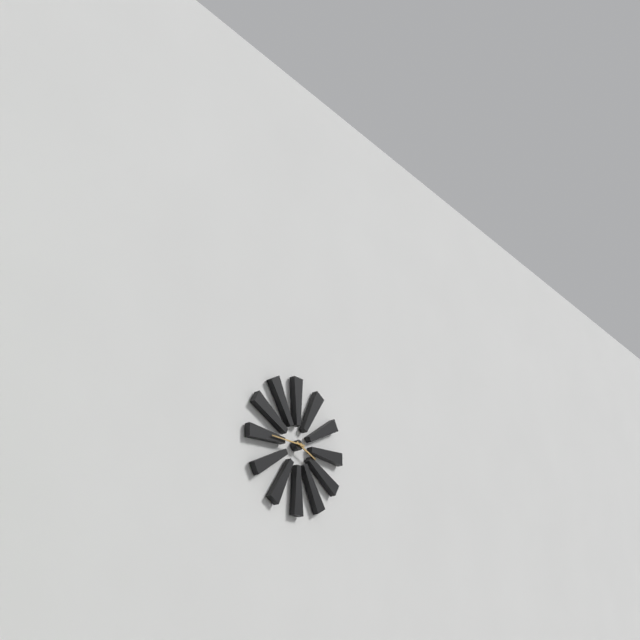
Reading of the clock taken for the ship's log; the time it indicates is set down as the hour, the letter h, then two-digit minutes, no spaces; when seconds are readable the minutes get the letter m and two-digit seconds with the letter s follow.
3h45
